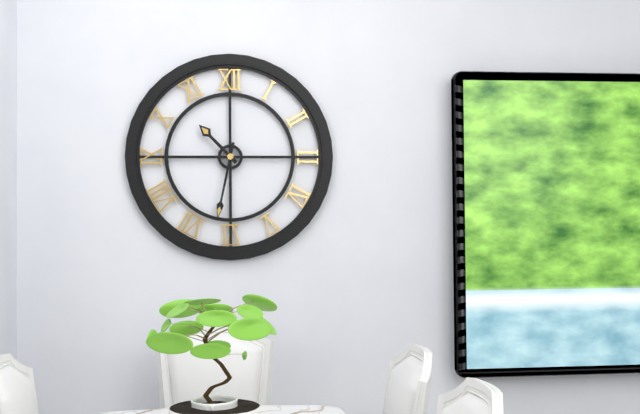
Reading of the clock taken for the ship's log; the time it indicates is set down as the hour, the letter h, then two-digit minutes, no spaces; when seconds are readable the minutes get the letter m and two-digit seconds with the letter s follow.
10h32
